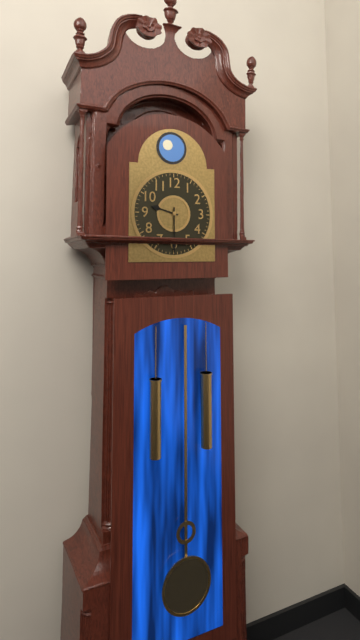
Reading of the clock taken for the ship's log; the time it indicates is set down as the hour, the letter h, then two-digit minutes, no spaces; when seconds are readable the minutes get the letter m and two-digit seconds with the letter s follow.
9h30
